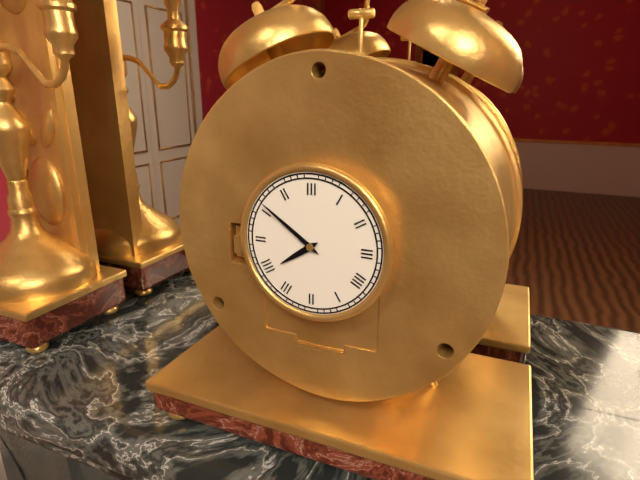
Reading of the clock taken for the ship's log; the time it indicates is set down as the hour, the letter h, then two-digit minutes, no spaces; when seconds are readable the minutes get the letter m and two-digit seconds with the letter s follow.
7h51
